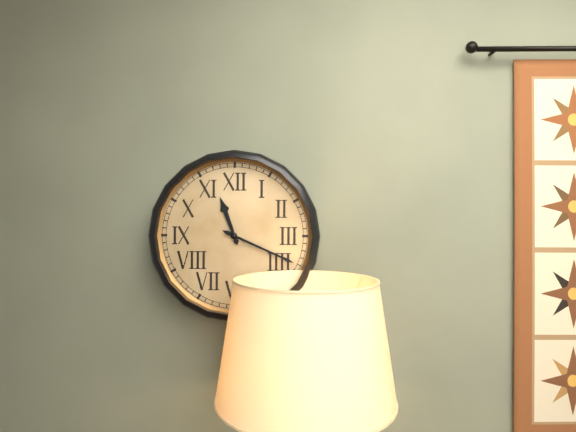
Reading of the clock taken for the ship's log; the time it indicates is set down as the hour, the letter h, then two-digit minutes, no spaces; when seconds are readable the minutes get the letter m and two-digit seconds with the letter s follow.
11h19
